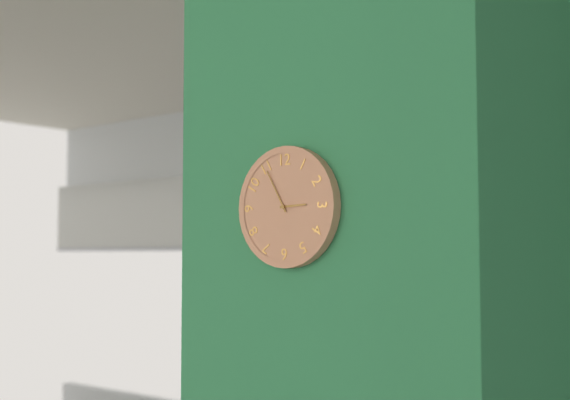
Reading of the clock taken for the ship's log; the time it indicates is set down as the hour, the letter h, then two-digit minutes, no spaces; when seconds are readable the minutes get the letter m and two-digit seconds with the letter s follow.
2h55
